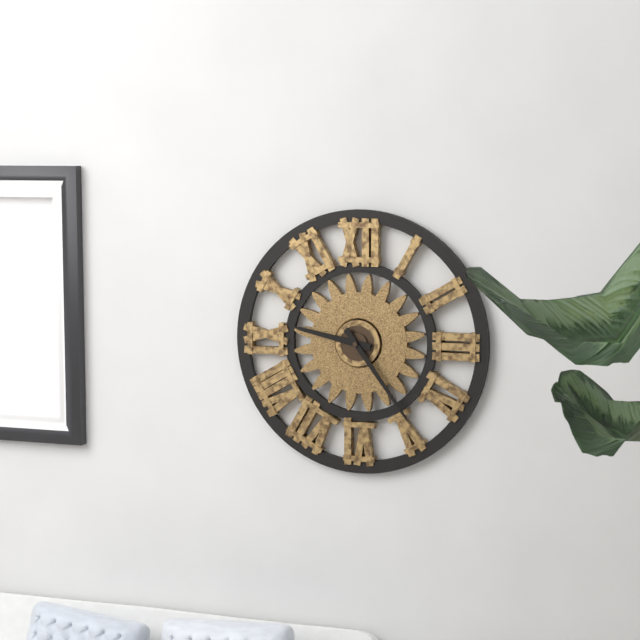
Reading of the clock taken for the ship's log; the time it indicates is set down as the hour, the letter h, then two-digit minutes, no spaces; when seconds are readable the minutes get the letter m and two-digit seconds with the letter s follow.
9h24
